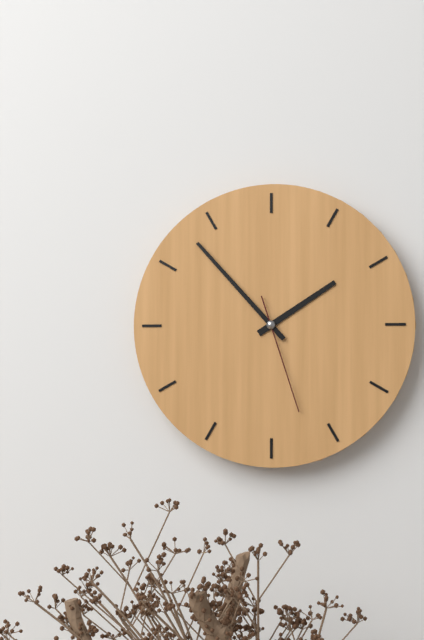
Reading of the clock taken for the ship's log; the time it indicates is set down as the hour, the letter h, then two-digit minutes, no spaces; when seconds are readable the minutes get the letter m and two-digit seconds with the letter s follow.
1h53m27s
